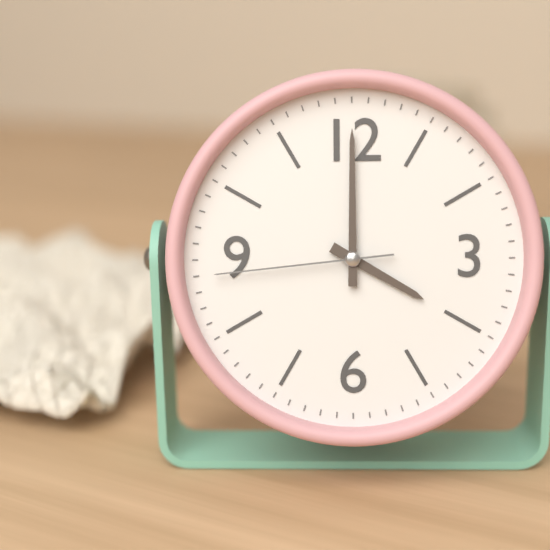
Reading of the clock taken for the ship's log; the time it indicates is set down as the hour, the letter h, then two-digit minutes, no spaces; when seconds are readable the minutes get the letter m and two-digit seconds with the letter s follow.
4h00m44s
